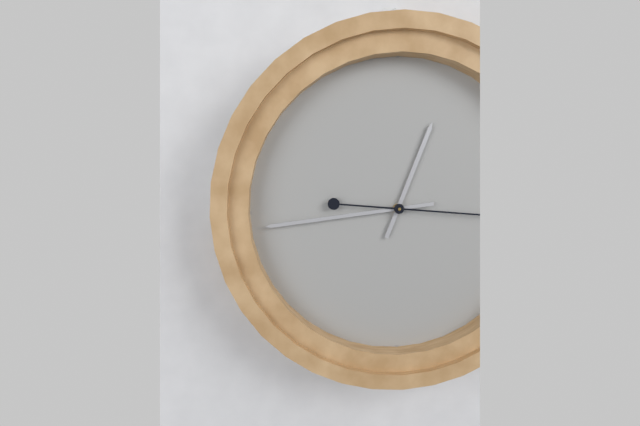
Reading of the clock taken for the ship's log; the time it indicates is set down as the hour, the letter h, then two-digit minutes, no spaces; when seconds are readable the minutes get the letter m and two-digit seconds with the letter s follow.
12h44
